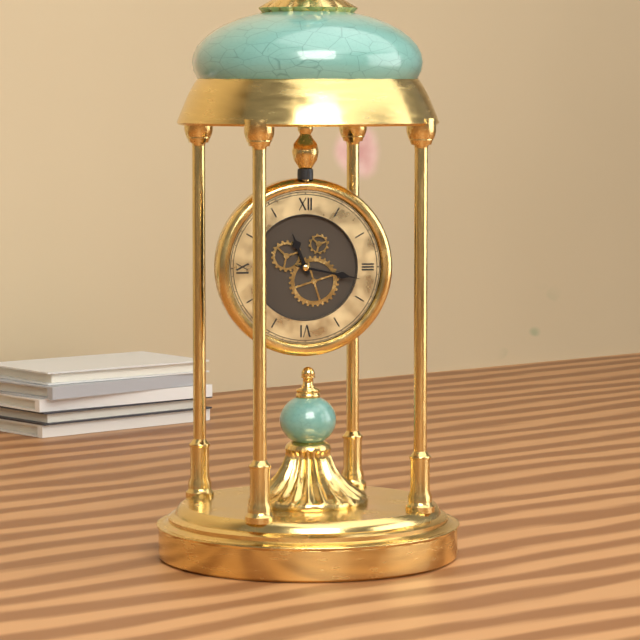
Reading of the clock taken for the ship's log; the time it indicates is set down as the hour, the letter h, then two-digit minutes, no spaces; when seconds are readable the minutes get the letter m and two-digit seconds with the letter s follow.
11h17
